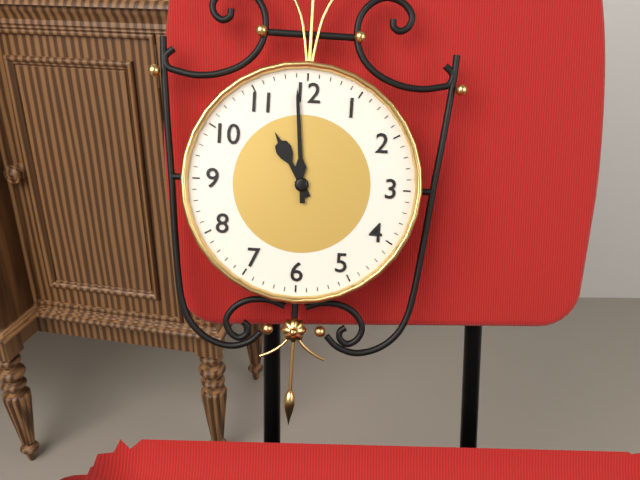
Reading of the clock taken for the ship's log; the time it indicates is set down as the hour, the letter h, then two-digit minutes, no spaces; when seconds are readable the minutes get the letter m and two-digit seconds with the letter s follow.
10h59
